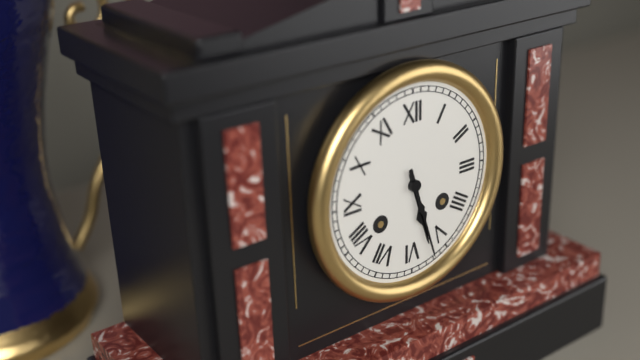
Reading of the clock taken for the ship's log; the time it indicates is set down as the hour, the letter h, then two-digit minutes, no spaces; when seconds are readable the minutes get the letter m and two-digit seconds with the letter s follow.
5h27
